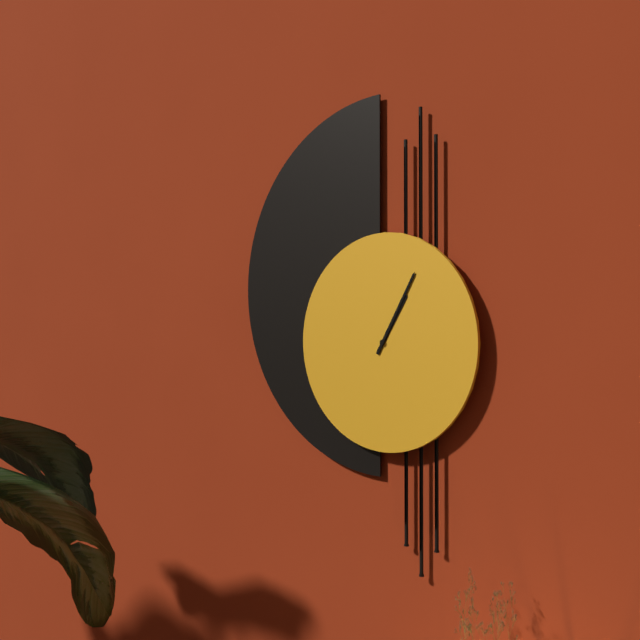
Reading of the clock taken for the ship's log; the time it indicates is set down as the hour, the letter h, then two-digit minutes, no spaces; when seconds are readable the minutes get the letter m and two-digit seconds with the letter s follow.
1h05
